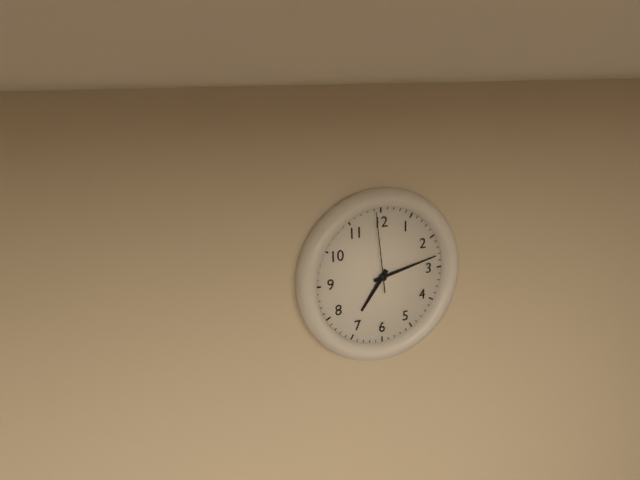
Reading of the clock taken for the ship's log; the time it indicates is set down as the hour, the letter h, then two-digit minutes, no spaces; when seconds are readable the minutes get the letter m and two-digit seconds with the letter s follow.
7h13m59s
